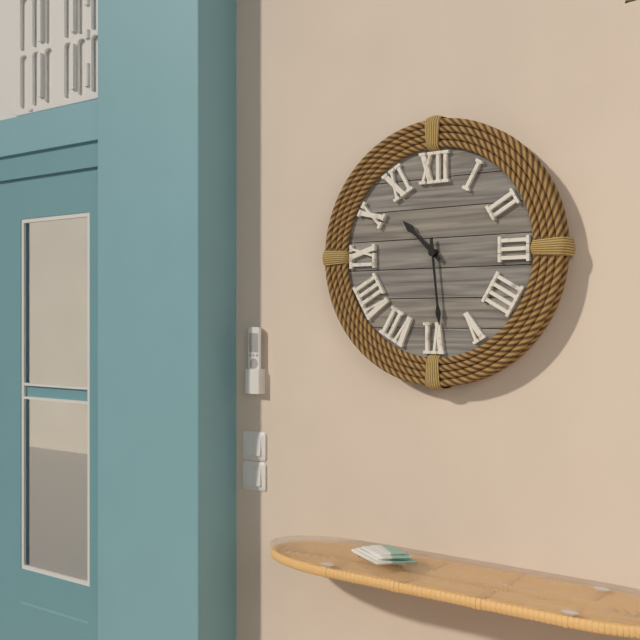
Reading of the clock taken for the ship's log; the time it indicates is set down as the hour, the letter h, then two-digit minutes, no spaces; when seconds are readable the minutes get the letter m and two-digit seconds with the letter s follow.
10h29
